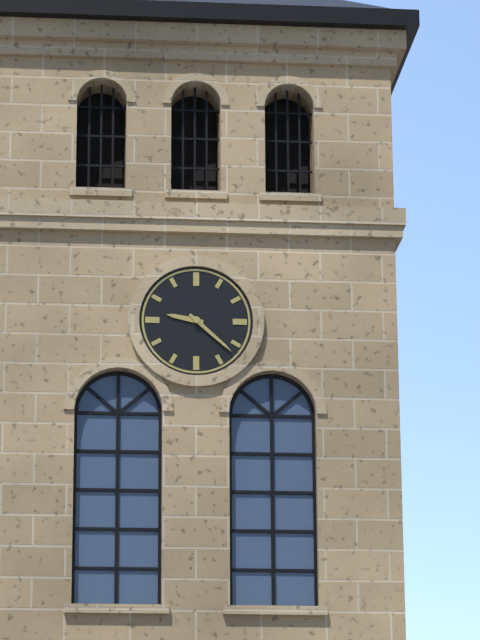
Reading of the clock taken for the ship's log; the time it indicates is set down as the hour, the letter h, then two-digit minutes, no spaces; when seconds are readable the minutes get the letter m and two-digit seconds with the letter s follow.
9h22
